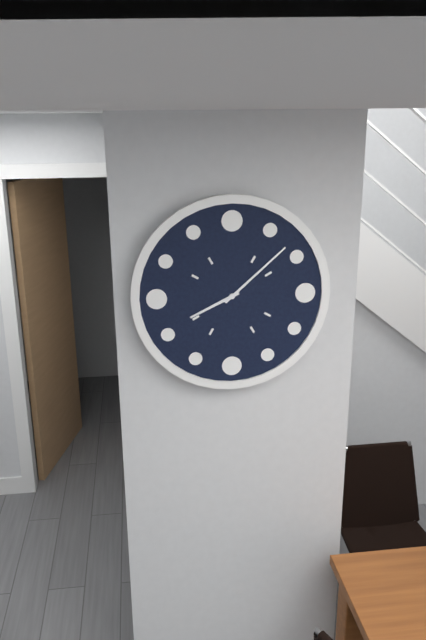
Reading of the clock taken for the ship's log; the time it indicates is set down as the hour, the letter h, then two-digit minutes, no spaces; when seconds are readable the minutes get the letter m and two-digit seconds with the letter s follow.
8h08
